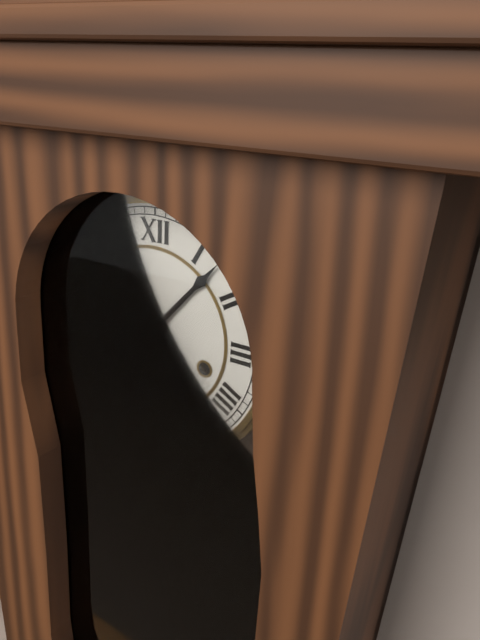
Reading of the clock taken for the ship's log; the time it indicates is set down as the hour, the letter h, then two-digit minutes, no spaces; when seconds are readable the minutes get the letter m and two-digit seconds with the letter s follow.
7h07
